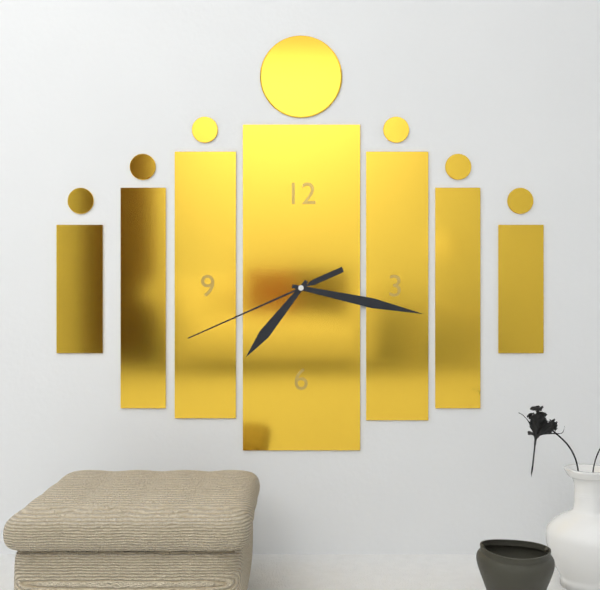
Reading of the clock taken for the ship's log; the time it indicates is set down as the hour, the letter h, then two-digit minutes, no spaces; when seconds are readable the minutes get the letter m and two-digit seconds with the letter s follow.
7h17m41s
